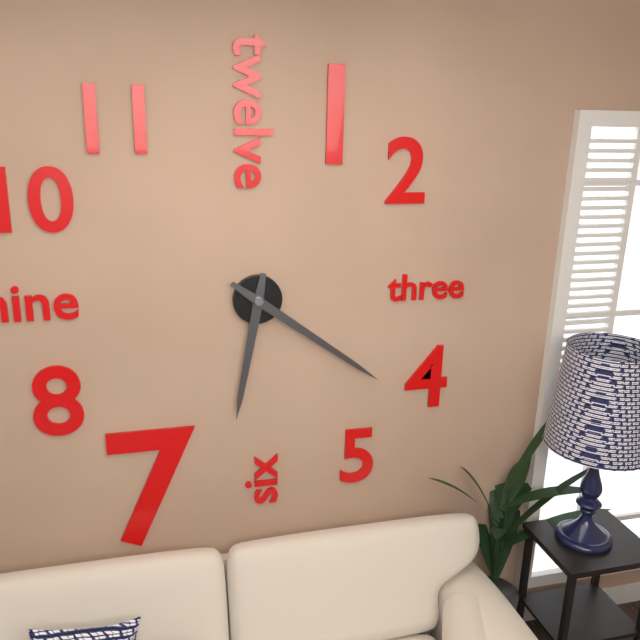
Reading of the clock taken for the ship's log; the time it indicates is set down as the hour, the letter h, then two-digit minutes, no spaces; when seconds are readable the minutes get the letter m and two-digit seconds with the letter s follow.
6h21
